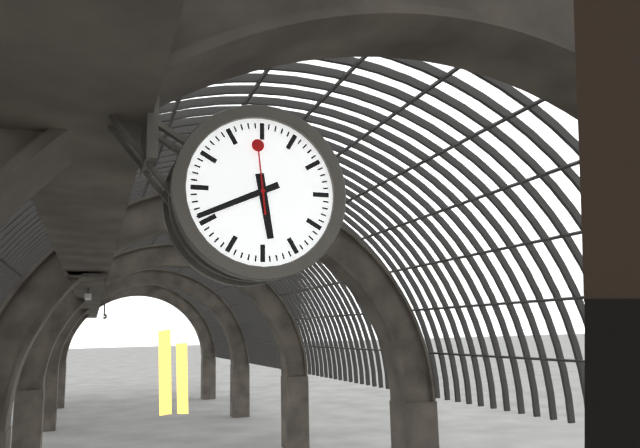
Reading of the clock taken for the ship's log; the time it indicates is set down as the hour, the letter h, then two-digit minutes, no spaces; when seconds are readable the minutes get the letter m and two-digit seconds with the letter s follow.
5h41m59s
